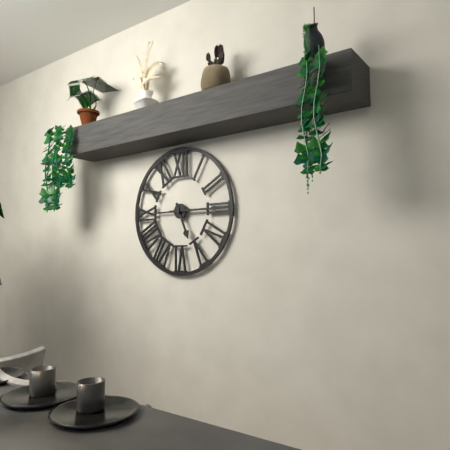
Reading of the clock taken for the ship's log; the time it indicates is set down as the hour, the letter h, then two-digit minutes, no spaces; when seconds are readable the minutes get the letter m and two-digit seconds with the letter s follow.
5h15
